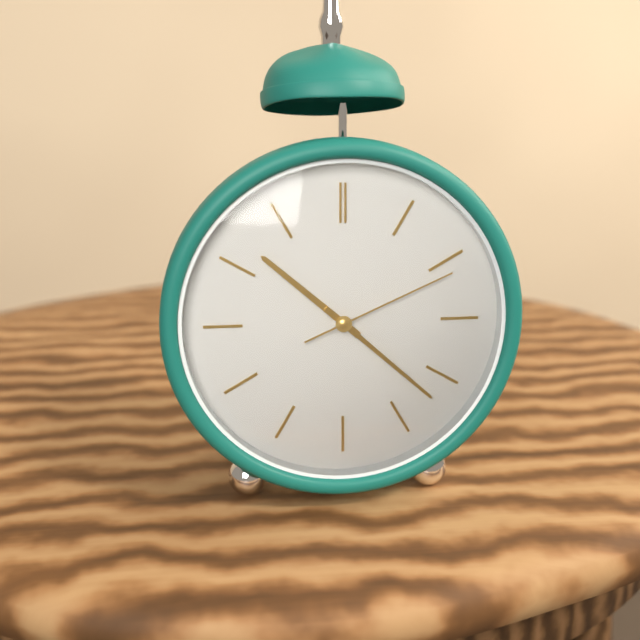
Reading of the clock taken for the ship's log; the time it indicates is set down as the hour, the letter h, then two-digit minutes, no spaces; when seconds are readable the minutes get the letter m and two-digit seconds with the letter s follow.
10h22m11s
